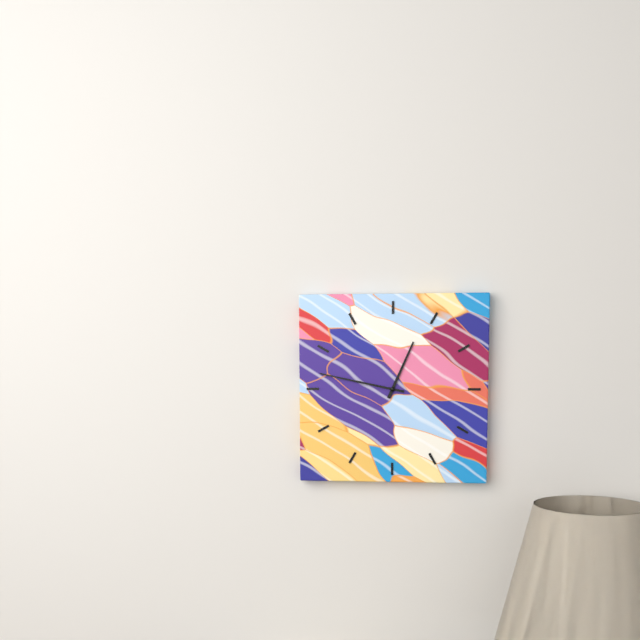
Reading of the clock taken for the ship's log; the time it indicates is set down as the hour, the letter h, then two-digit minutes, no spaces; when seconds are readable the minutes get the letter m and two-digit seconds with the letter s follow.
12h47
